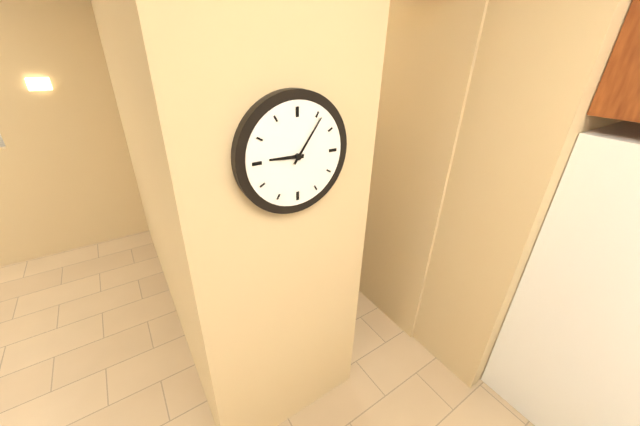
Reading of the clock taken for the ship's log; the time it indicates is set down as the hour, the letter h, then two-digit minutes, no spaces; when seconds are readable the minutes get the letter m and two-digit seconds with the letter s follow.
9h06
